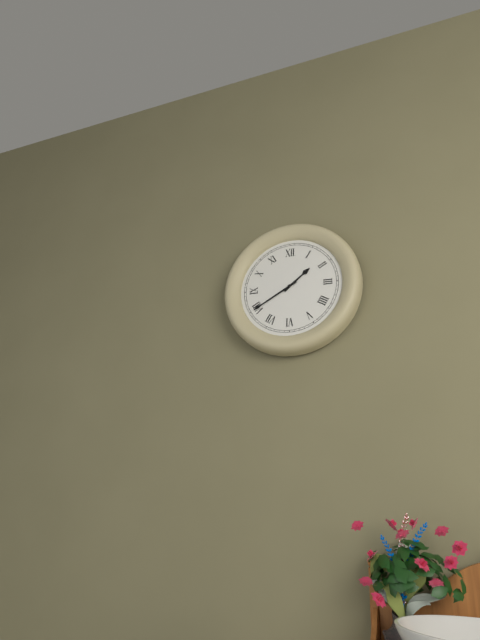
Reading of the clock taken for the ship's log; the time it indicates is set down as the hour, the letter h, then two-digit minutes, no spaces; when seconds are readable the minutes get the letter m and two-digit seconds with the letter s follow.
1h40
